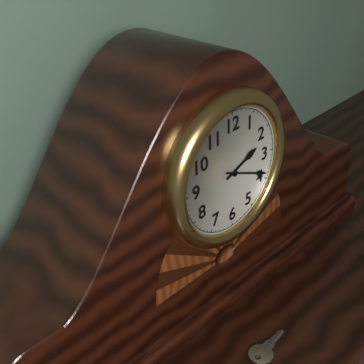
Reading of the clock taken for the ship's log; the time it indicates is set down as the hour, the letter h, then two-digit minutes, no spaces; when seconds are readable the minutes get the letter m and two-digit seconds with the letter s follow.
2h19
